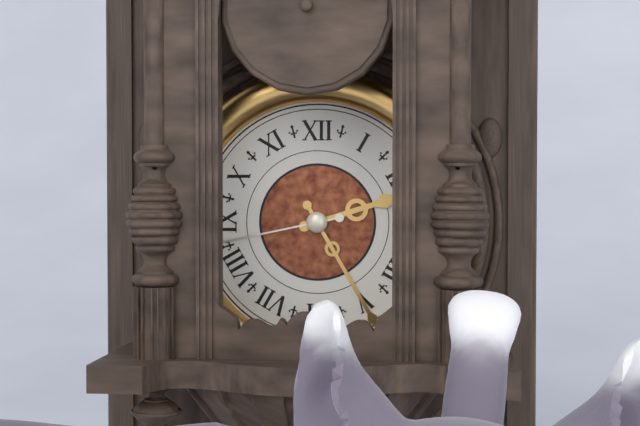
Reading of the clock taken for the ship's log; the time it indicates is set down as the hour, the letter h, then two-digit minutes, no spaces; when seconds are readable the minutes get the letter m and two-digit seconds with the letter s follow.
2h25m43s
